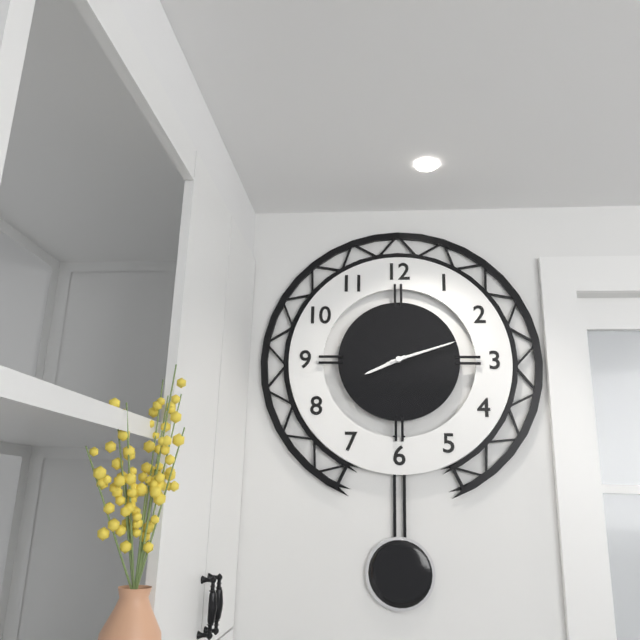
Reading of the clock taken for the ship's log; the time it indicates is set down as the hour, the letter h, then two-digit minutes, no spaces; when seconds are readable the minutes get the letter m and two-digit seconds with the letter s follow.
8h12m12s
